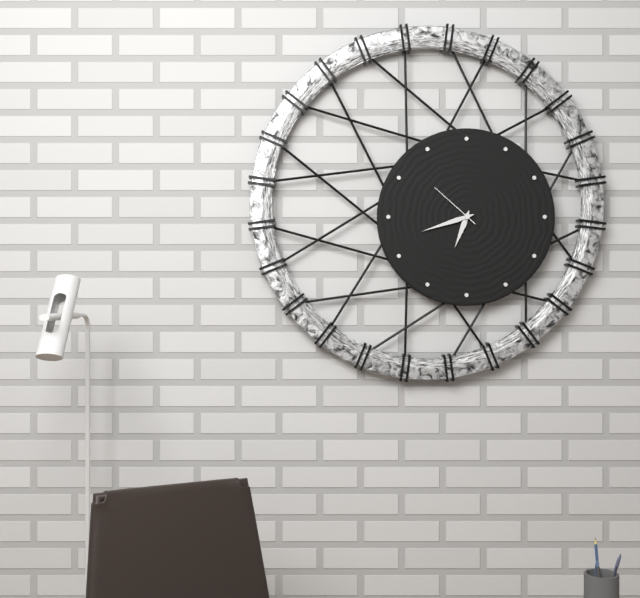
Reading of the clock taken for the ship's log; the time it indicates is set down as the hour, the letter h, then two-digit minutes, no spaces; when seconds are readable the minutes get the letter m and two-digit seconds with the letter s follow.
6h42m52s
